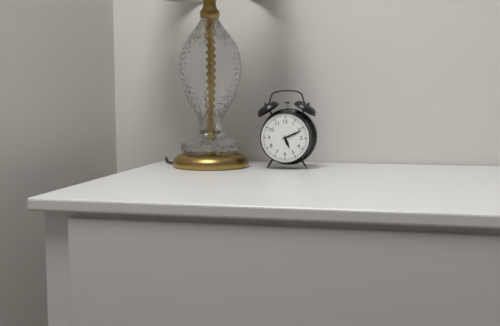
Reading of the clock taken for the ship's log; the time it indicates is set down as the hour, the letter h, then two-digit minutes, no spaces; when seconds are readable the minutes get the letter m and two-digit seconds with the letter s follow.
5h11
